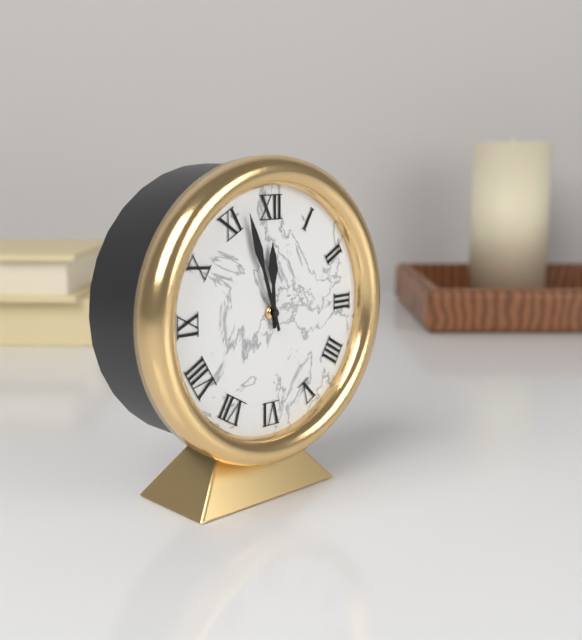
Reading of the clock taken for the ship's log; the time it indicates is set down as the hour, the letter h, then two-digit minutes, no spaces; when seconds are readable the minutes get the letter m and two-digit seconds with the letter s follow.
11h57
